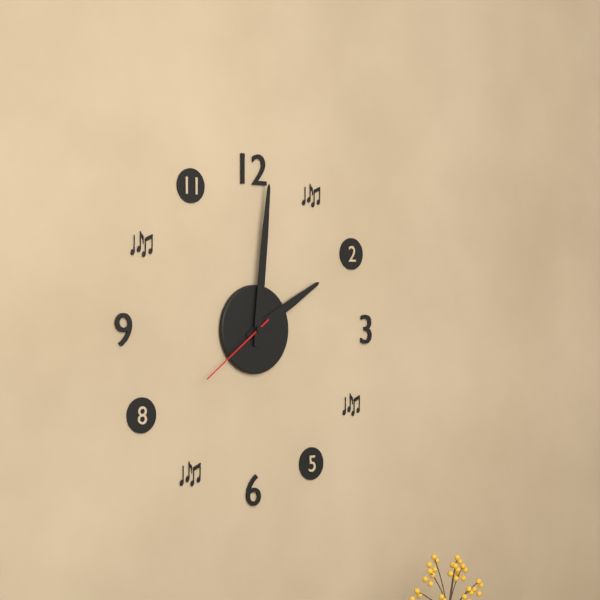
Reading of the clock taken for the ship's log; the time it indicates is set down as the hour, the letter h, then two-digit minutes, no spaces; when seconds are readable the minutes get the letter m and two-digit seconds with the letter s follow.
2h01m39s
